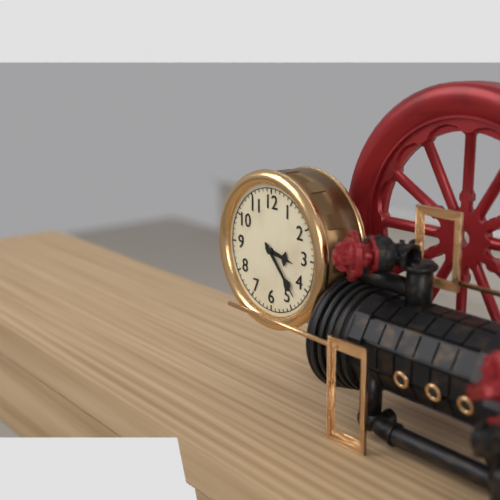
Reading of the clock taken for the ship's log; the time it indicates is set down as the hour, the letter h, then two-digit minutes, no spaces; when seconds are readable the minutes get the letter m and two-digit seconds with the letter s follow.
3h23
